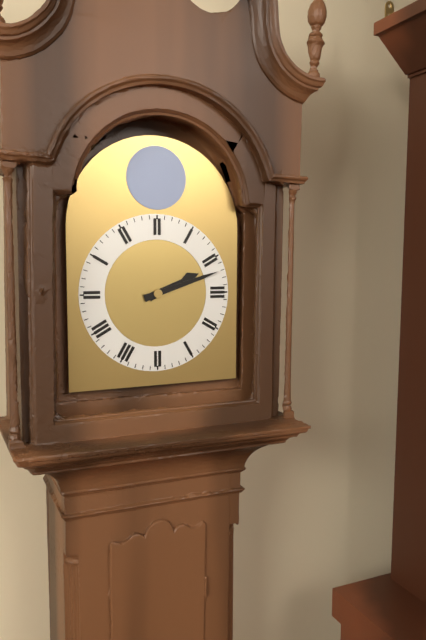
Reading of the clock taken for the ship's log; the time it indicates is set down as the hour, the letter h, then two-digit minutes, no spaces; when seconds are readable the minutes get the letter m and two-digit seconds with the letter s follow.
2h12
